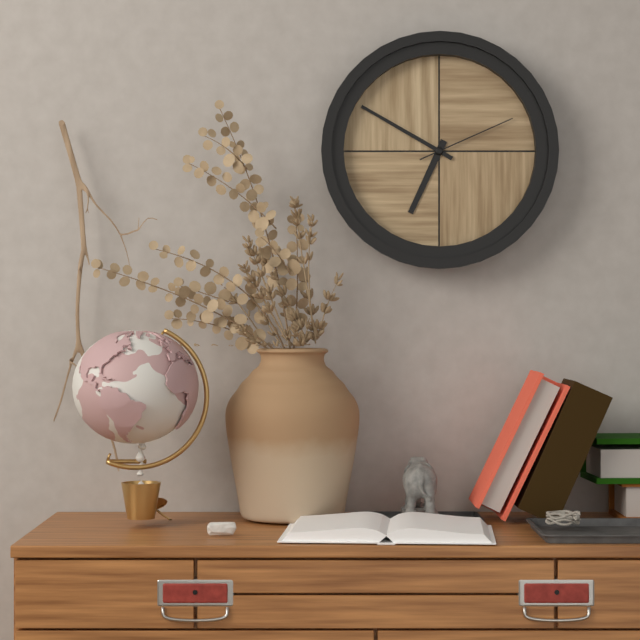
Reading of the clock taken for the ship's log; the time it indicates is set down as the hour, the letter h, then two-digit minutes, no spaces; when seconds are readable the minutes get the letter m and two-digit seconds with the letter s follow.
6h50m11s
